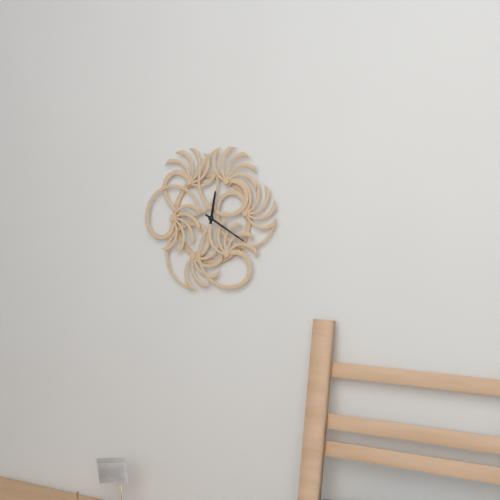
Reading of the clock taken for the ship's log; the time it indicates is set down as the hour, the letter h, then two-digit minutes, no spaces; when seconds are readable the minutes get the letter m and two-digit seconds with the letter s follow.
12h20
